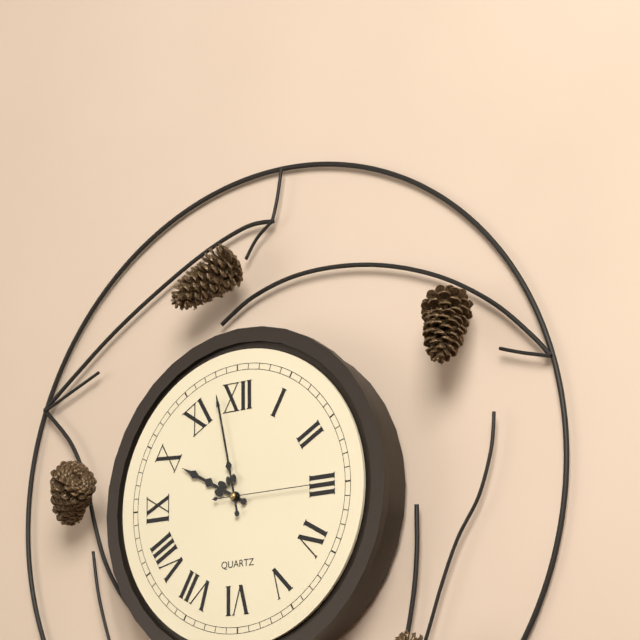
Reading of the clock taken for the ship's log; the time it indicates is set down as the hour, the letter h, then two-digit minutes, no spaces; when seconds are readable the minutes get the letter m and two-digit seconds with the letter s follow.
9h58m15s
